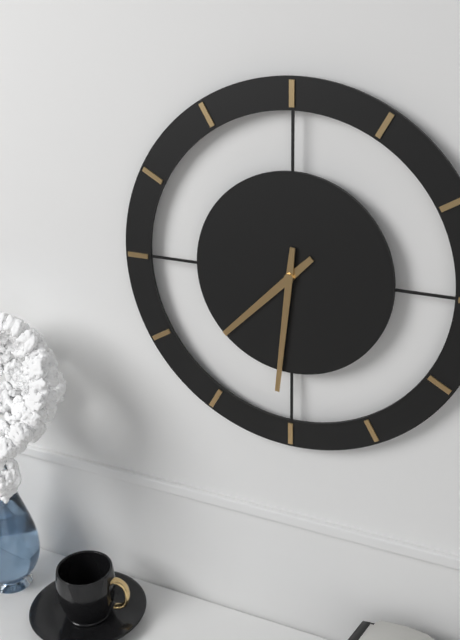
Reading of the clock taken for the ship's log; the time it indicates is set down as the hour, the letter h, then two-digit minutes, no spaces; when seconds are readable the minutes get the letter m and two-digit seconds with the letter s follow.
7h31
